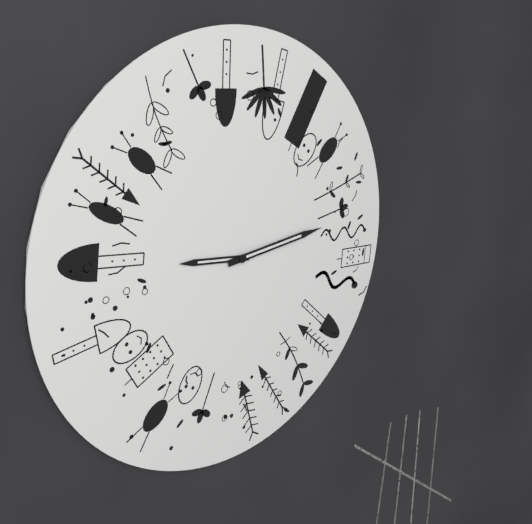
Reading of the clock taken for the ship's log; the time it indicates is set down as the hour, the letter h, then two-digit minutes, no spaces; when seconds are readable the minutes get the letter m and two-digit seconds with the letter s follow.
9h14
